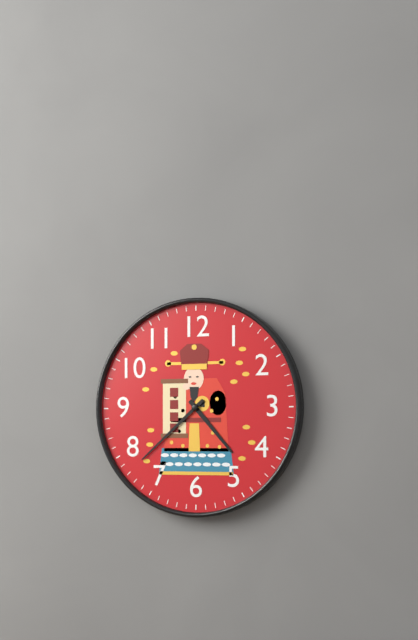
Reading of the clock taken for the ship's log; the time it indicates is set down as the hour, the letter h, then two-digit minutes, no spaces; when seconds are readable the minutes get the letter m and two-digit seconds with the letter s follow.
4h38
